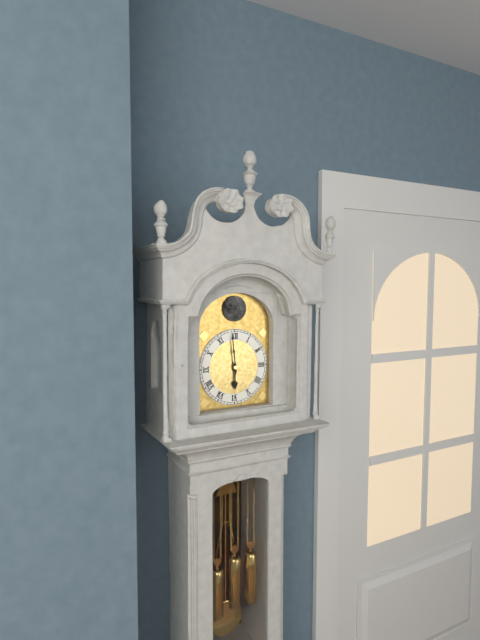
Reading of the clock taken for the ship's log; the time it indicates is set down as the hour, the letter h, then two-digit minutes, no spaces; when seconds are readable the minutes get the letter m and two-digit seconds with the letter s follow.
5h59
